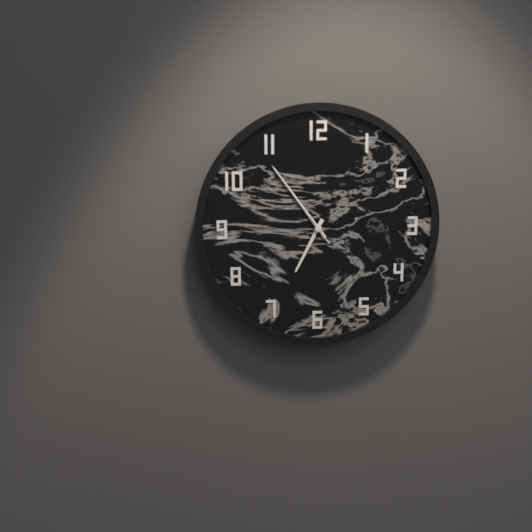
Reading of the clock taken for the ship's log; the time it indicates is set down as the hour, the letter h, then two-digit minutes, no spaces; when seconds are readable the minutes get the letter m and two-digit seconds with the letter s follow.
6h54m54s
